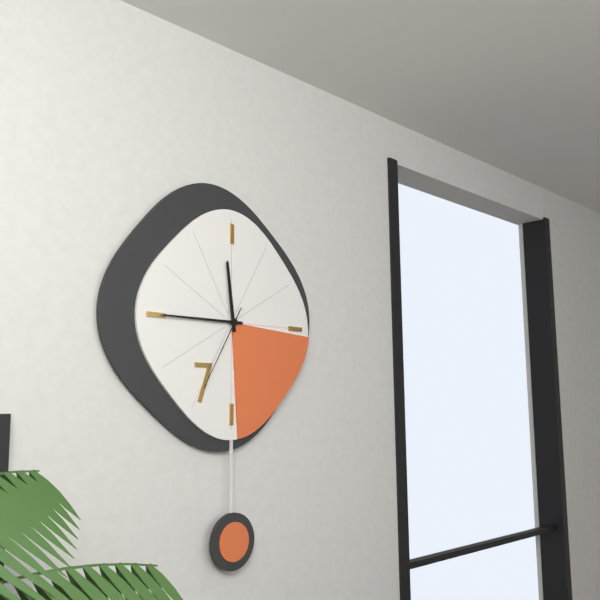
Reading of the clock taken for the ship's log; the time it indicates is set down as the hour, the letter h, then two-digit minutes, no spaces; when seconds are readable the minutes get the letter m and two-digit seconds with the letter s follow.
11h45m35s
